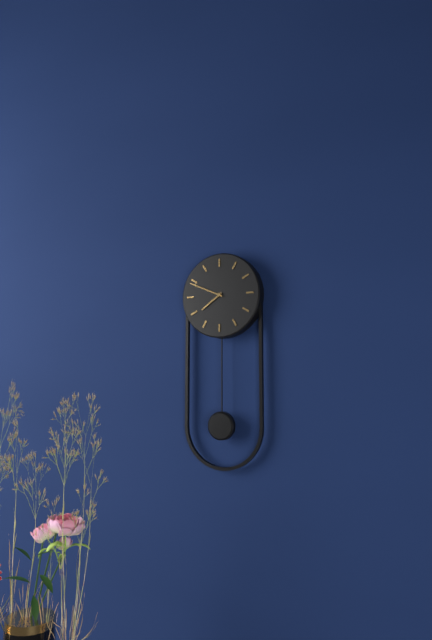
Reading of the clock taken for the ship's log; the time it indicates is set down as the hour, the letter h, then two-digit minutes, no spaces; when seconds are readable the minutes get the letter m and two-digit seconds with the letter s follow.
7h49
